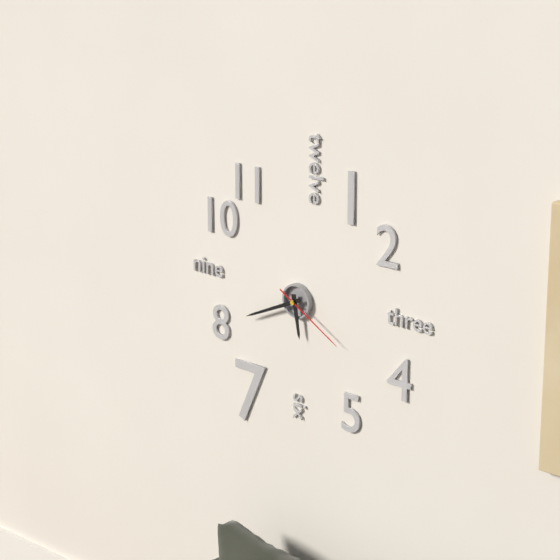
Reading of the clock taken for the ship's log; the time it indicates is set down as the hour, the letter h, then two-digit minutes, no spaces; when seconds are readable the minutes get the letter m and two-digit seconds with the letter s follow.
5h41m20s
